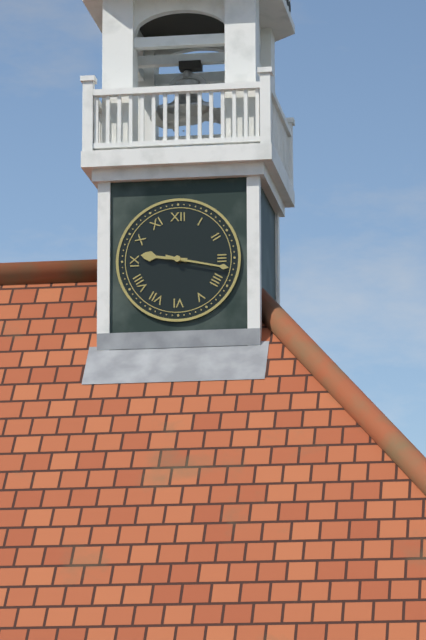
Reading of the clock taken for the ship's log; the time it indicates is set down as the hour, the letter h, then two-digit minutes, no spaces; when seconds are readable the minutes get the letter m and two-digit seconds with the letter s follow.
9h17
